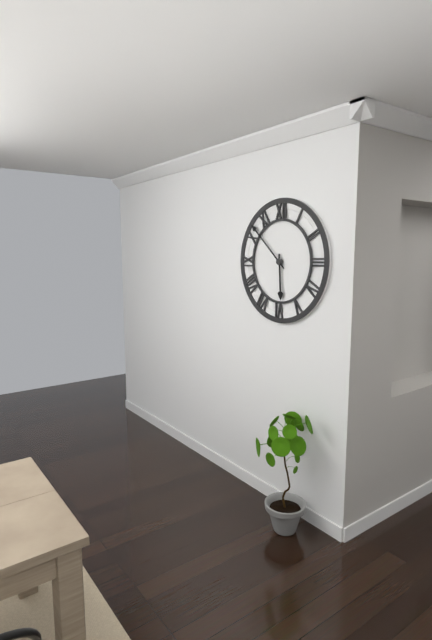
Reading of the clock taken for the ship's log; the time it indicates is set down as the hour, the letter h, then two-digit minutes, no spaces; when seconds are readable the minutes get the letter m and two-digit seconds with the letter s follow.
5h52
